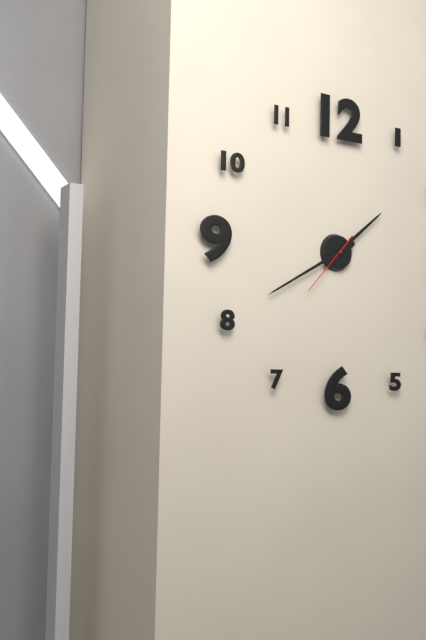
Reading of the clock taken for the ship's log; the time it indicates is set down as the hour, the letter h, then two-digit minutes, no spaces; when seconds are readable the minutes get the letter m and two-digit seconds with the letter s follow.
1h40m37s
